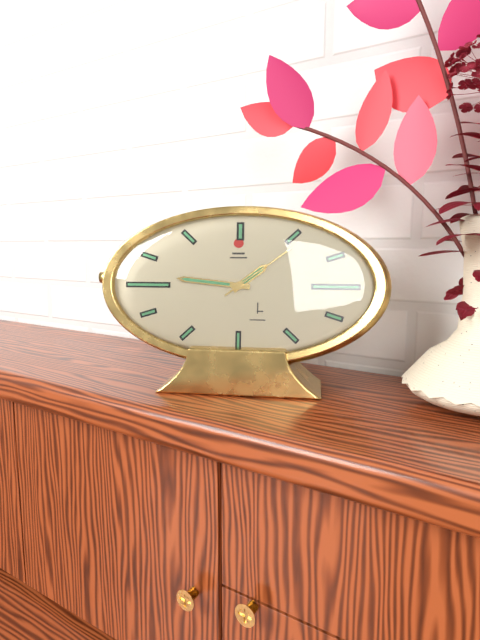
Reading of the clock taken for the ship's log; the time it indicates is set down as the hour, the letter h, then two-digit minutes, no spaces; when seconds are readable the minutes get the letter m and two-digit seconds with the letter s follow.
1h46m09s
